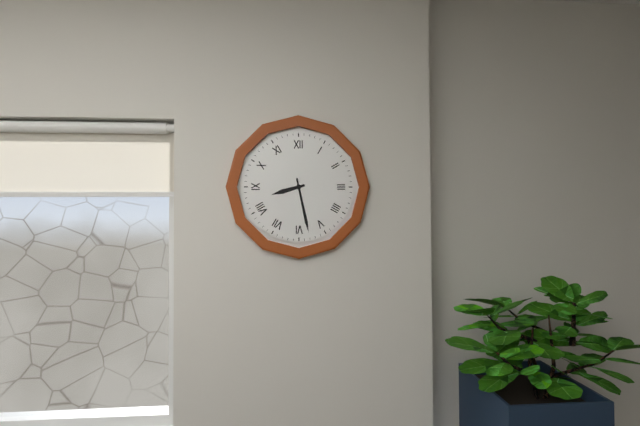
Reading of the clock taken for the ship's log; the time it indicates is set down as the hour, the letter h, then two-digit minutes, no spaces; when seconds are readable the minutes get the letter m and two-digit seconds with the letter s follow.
8h28
